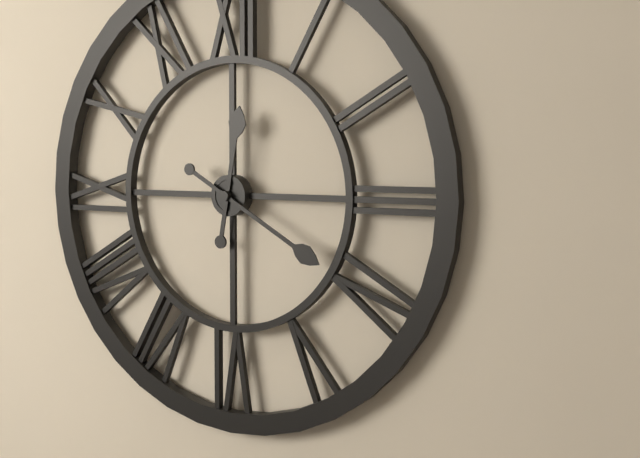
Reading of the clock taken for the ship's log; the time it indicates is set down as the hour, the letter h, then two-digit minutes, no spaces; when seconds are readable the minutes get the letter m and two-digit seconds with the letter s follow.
12h20
